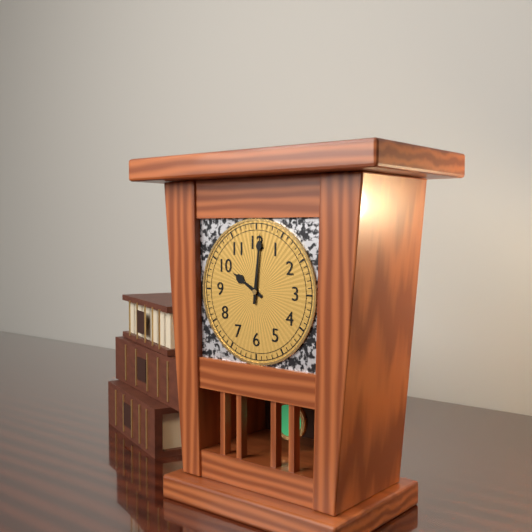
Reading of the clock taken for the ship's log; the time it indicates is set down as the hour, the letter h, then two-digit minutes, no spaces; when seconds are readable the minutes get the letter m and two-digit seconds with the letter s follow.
10h01
